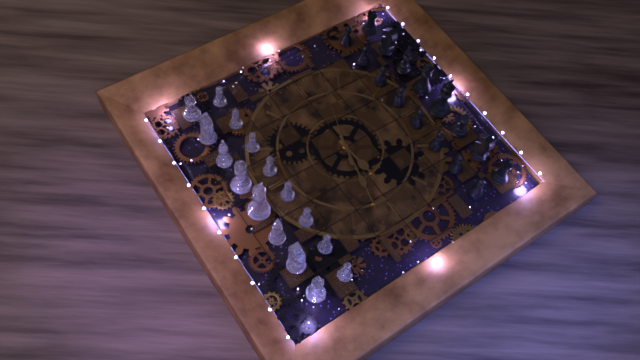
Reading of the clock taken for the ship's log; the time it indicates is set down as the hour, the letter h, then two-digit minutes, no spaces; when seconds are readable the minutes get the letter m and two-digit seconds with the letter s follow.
8h47m18s
